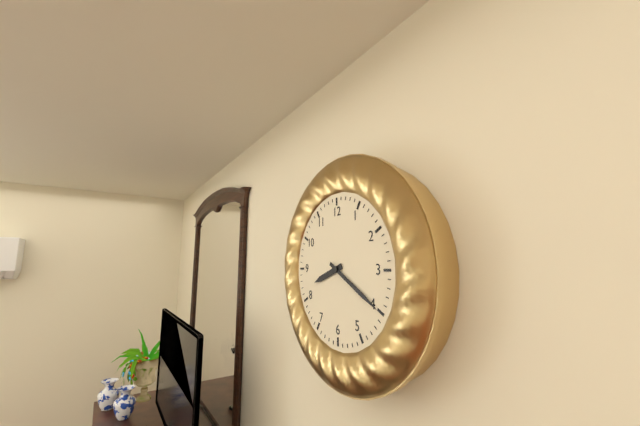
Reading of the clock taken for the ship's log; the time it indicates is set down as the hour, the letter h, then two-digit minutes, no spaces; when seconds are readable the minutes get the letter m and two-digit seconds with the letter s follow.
8h20
